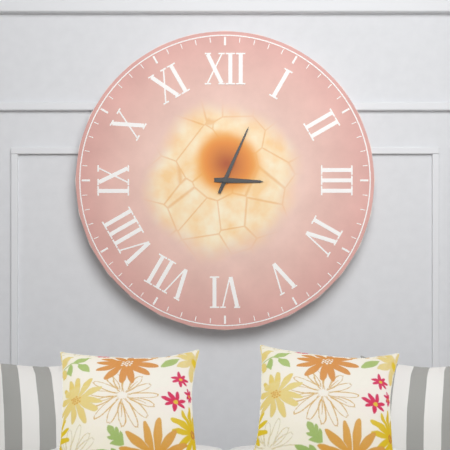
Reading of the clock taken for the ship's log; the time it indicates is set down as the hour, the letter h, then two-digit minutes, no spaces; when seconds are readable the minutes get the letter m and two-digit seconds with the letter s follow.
3h04
